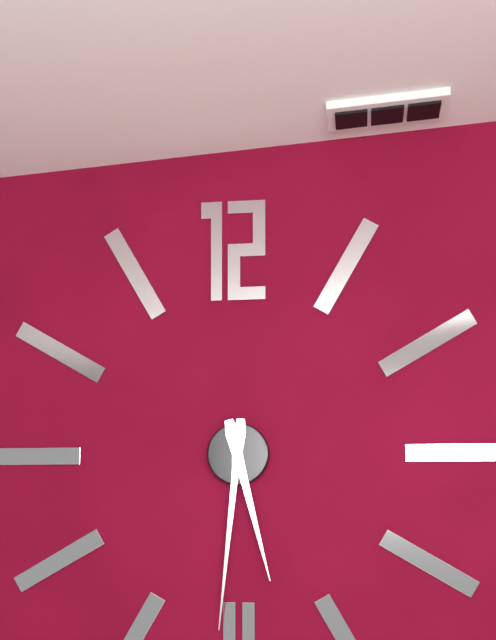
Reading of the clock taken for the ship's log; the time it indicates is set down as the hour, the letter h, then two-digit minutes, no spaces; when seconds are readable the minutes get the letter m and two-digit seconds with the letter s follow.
5h31
